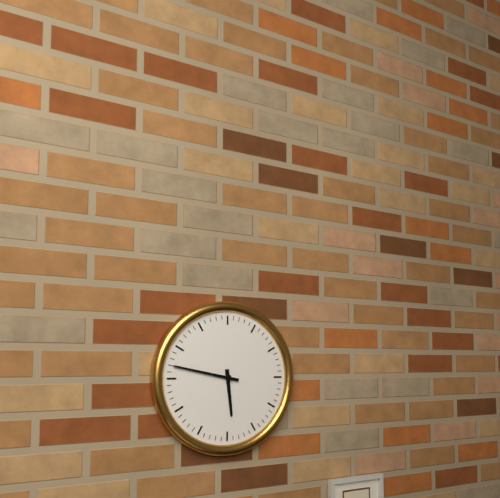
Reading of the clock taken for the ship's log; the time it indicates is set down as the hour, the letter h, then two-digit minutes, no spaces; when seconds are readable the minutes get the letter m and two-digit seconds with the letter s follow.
5h47
